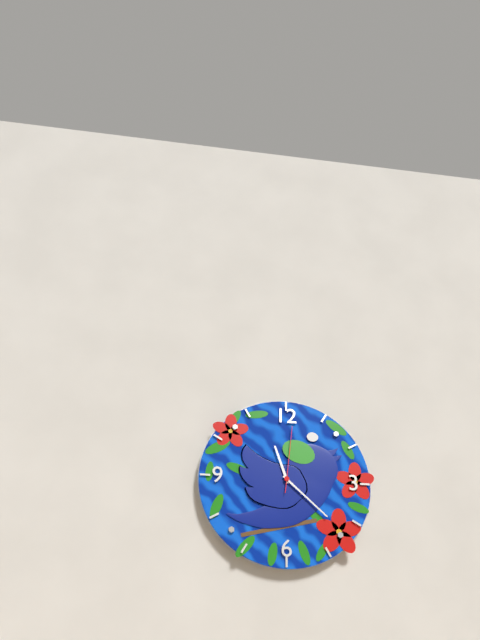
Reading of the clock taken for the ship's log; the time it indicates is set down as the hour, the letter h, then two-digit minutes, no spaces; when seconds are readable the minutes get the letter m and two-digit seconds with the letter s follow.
11h22m01s
